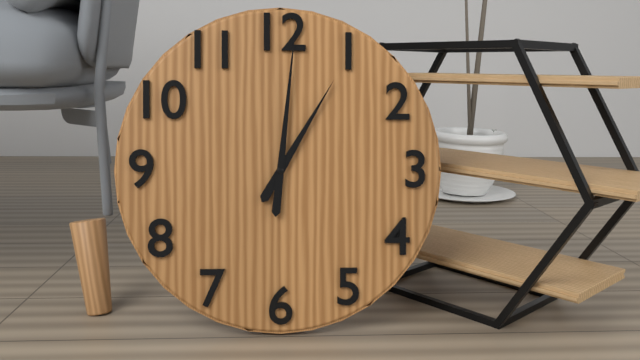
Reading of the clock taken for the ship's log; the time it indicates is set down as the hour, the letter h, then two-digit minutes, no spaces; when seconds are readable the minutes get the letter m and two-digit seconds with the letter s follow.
1h01
